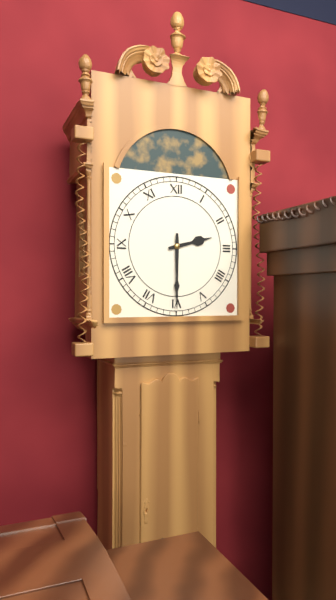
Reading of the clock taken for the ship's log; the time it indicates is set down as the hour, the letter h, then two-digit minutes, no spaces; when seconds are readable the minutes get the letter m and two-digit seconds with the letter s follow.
2h30
